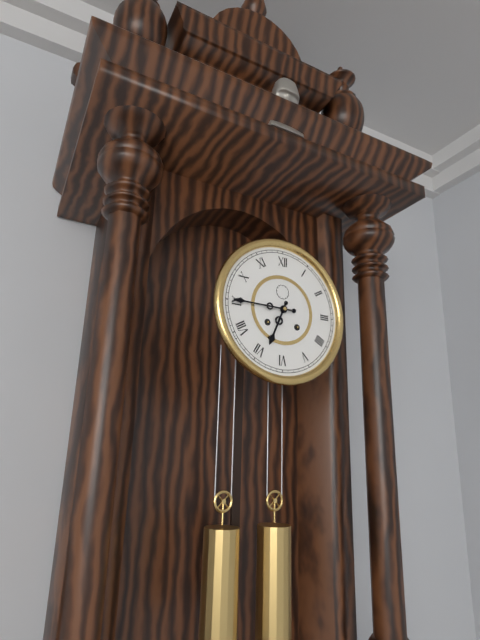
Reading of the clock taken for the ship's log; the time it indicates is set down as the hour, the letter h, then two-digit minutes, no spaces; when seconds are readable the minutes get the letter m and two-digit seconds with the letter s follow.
6h45
